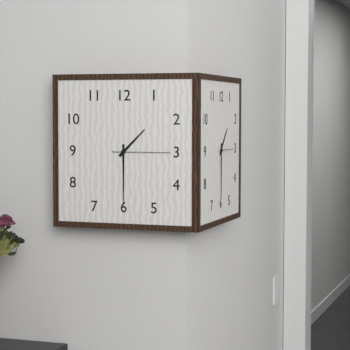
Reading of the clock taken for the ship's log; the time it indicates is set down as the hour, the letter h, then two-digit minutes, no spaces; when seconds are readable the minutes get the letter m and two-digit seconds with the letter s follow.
1h30m15s
